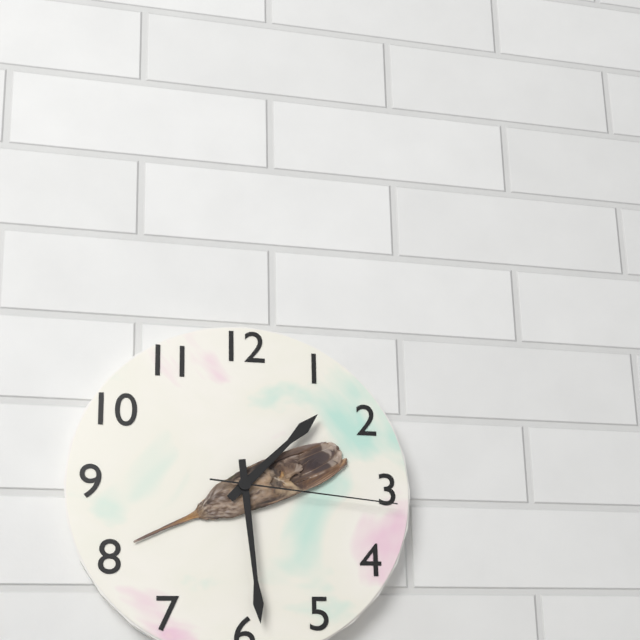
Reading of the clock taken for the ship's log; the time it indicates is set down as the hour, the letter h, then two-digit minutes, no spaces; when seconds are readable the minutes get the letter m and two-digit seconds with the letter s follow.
1h29m16s
